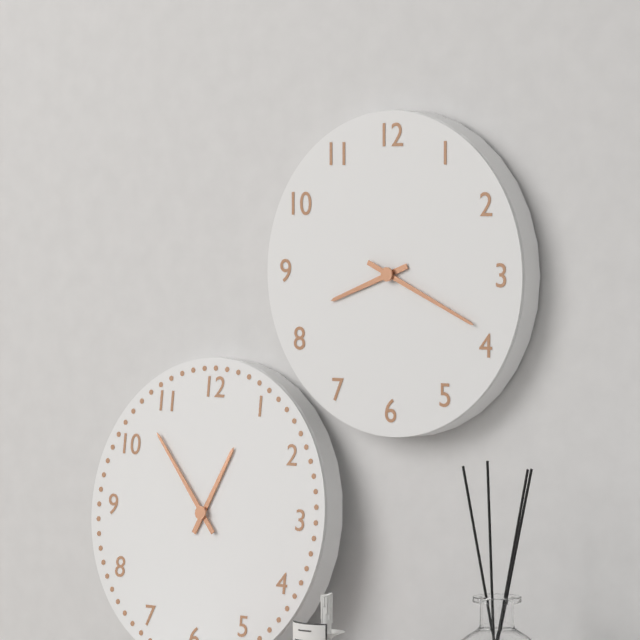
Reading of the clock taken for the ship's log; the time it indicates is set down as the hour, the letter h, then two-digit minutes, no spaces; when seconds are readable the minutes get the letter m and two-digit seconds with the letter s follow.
8h19
